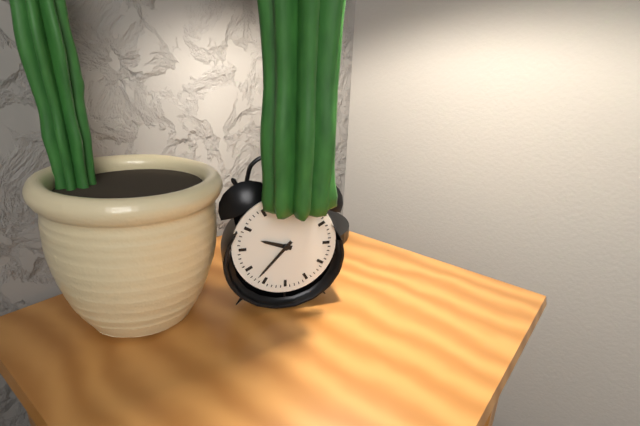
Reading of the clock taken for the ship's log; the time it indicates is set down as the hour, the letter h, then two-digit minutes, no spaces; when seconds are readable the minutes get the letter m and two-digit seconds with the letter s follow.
9h37
